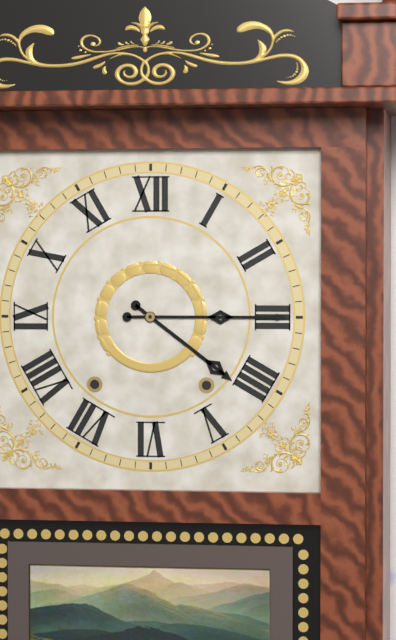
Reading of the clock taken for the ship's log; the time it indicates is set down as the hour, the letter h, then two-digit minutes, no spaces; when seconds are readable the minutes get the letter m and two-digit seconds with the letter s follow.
4h15
